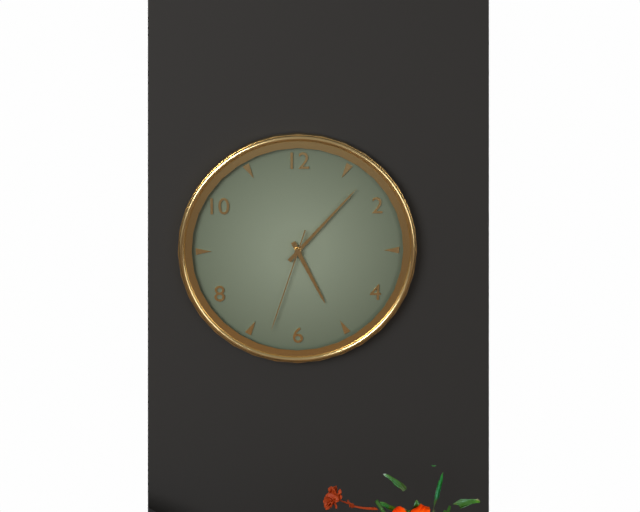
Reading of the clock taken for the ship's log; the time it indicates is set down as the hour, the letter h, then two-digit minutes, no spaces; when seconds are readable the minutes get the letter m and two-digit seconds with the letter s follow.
5h07m33s
